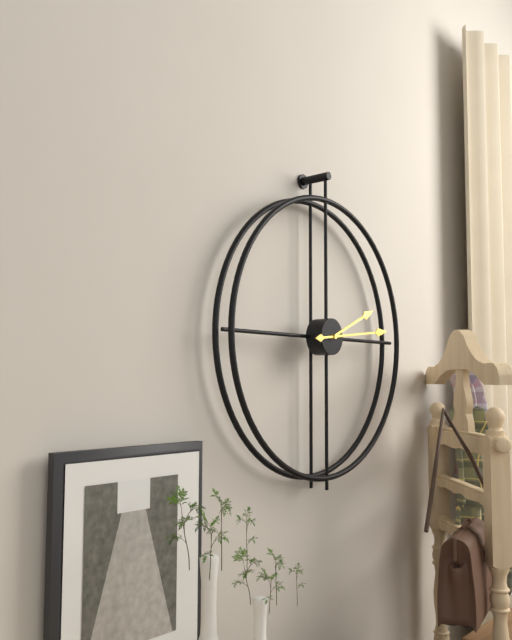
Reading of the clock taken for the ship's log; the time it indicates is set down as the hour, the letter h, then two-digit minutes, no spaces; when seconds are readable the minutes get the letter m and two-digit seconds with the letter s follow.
2h14
